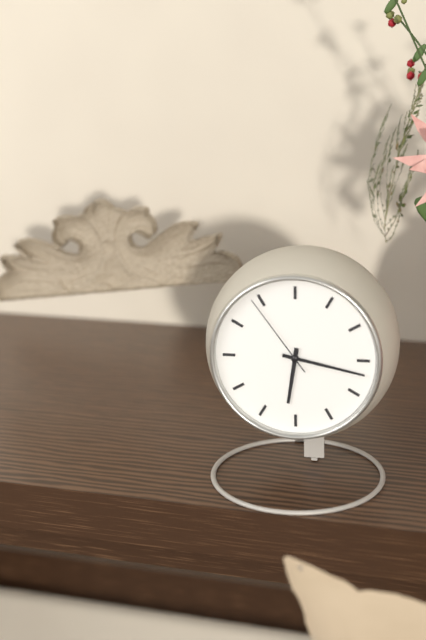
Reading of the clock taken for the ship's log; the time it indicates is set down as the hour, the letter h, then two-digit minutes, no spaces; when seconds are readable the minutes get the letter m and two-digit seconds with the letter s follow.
6h17m54s
